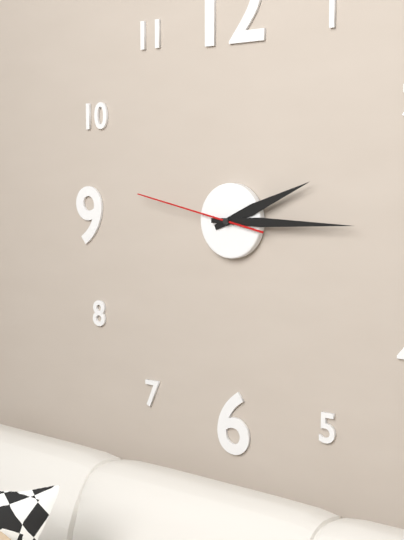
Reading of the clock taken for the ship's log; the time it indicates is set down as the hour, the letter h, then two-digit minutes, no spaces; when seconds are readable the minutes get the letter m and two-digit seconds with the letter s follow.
2h15m47s
